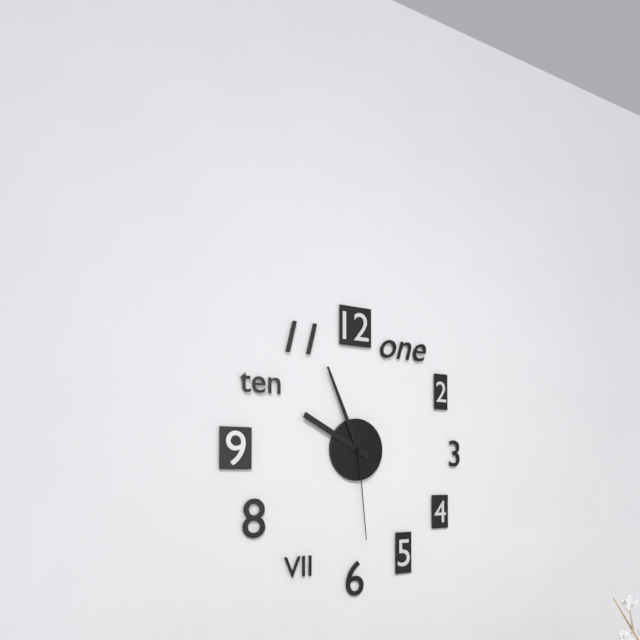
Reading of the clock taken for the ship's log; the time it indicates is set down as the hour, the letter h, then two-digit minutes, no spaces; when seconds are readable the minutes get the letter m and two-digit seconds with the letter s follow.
9h56m29s
